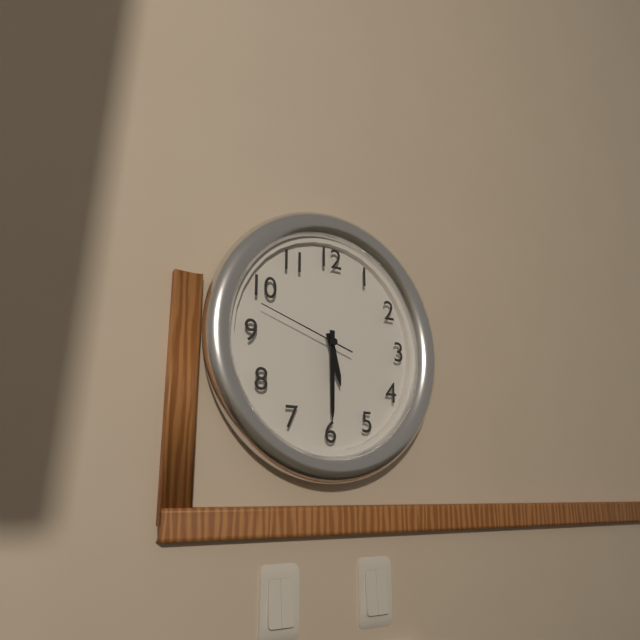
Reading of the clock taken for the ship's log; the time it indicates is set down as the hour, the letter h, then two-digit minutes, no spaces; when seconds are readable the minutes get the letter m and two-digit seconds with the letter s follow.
5h30m48s
